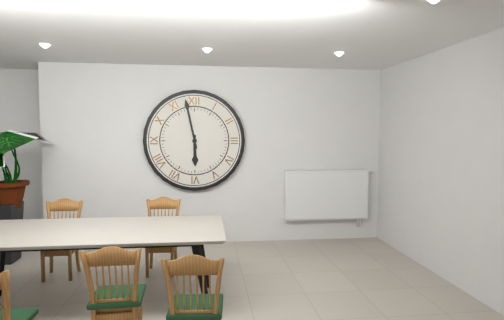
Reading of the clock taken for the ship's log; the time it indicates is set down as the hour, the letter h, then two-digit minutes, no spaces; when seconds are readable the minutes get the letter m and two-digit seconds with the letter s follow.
5h58
